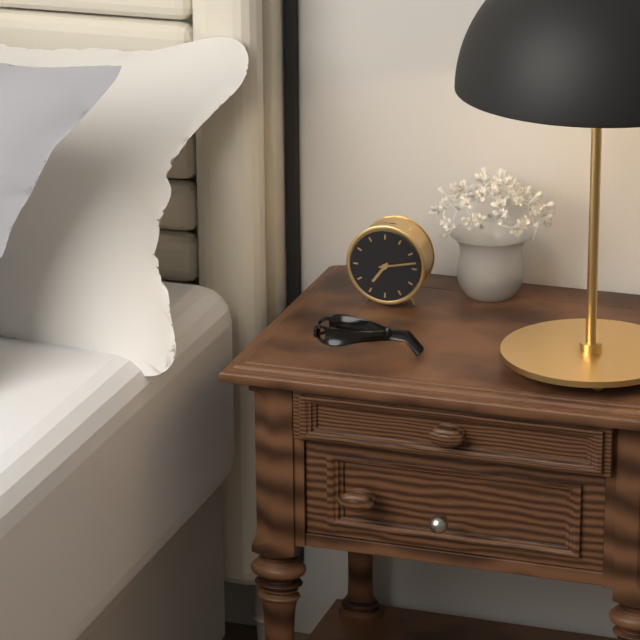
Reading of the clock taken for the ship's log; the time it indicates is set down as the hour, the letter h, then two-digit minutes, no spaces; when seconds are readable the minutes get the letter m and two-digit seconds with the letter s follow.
7h13
